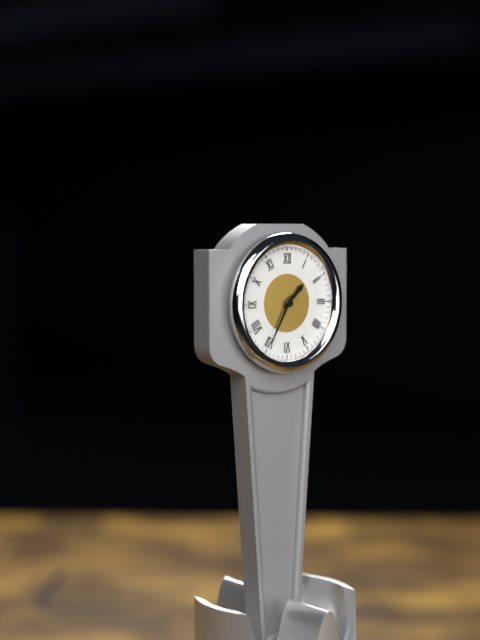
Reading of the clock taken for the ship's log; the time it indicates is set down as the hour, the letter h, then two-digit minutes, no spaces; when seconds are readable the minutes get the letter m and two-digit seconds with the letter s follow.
1h35
